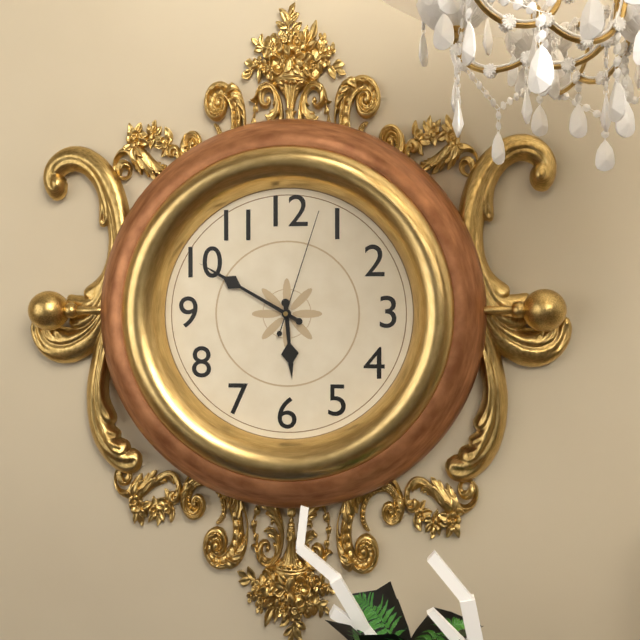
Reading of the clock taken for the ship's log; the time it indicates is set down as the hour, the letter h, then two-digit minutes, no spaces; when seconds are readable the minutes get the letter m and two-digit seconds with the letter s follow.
5h50m03s
